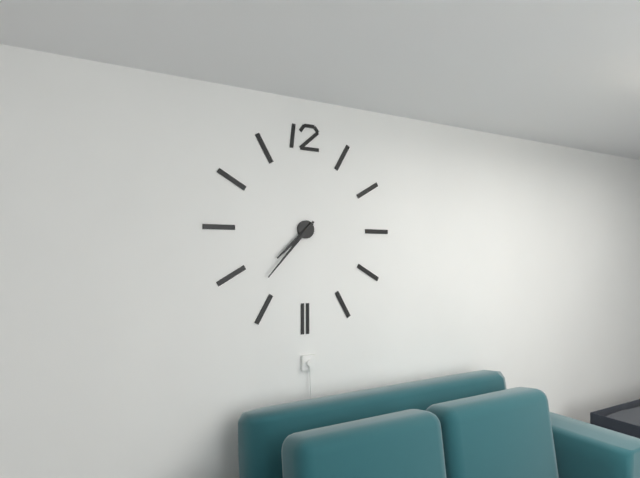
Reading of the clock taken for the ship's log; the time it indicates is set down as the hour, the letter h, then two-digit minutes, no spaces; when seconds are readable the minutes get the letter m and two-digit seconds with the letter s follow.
7h37
